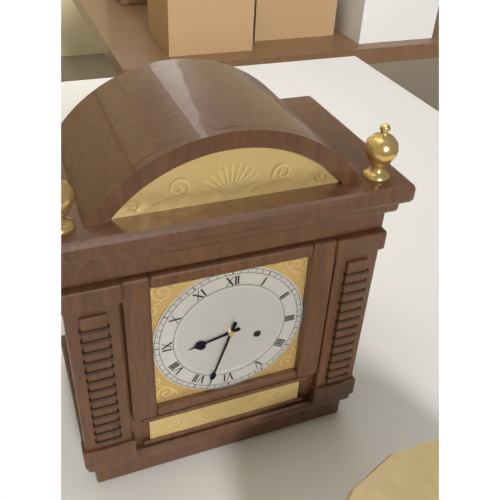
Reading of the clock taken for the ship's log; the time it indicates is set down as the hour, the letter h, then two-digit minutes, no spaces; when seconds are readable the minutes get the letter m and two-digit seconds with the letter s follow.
8h33
